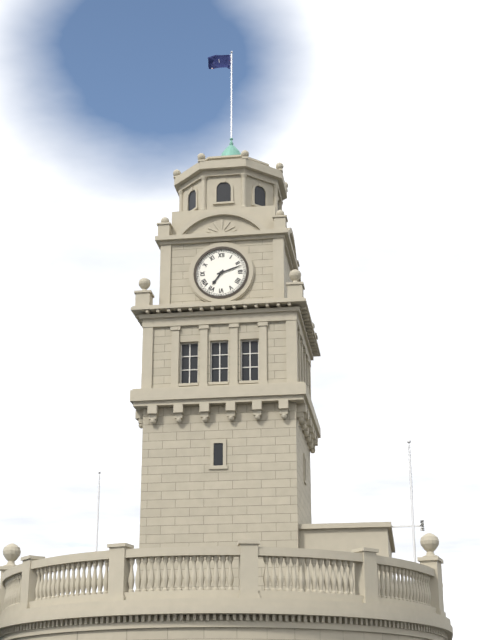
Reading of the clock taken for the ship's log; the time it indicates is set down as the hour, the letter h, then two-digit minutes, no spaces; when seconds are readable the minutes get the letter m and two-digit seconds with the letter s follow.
7h12
